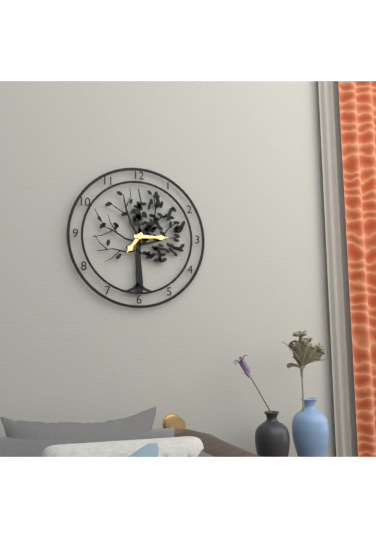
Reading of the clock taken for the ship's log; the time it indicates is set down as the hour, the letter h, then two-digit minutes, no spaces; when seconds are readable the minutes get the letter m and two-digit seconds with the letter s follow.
7h15
